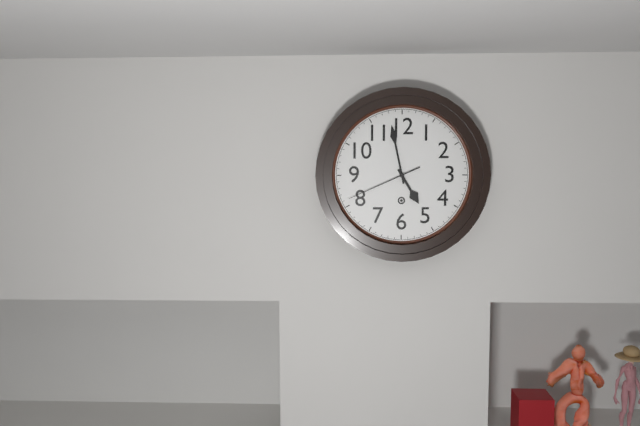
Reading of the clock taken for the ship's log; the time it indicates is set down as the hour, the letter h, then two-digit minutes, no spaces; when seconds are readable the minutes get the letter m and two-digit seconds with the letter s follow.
4h58m41s
